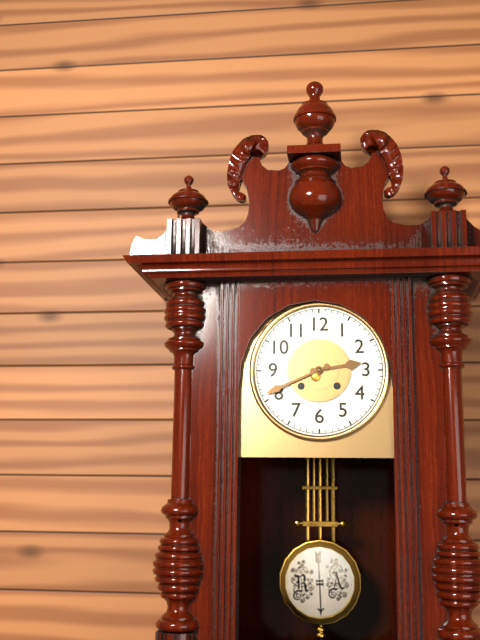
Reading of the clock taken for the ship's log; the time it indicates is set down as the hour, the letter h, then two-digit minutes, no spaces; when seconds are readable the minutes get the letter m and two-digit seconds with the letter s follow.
2h41
